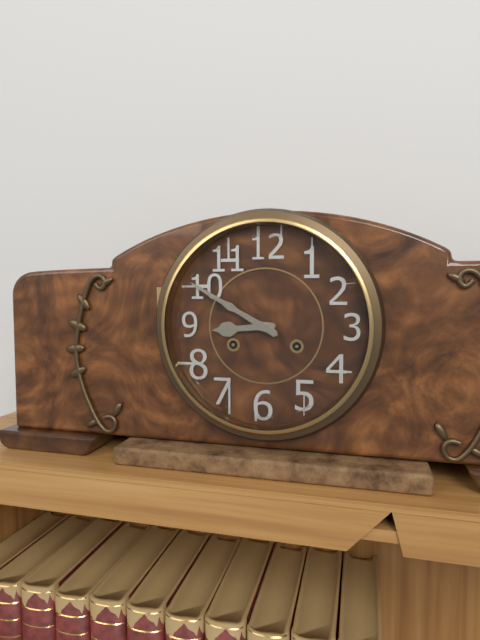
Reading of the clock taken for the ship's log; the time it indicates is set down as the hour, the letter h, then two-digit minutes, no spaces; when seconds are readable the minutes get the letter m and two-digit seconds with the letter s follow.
8h50
